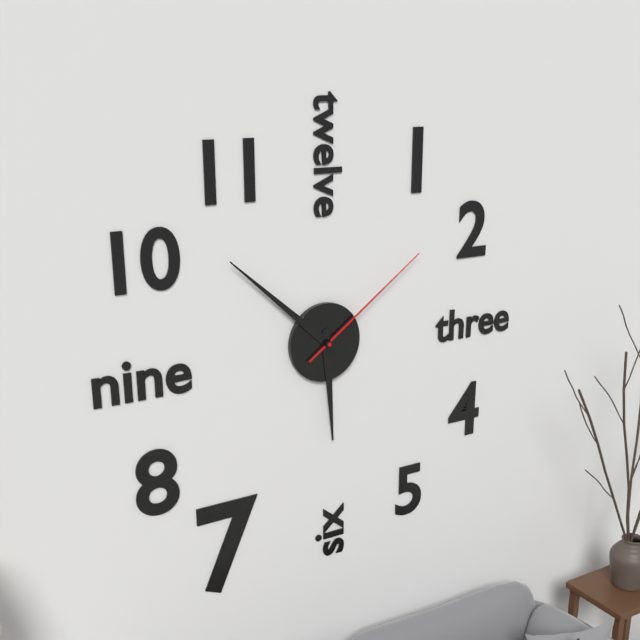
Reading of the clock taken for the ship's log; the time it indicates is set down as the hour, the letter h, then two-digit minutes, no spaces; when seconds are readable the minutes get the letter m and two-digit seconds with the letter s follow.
5h52m09s
